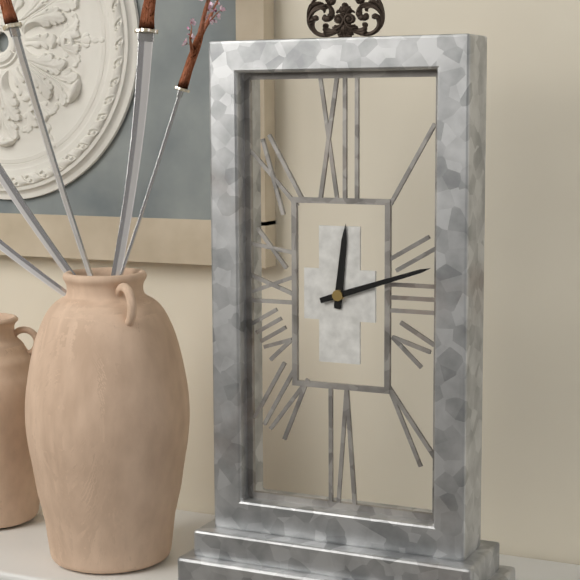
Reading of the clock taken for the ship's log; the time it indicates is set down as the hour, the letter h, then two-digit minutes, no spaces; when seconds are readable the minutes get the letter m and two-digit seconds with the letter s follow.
12h12
